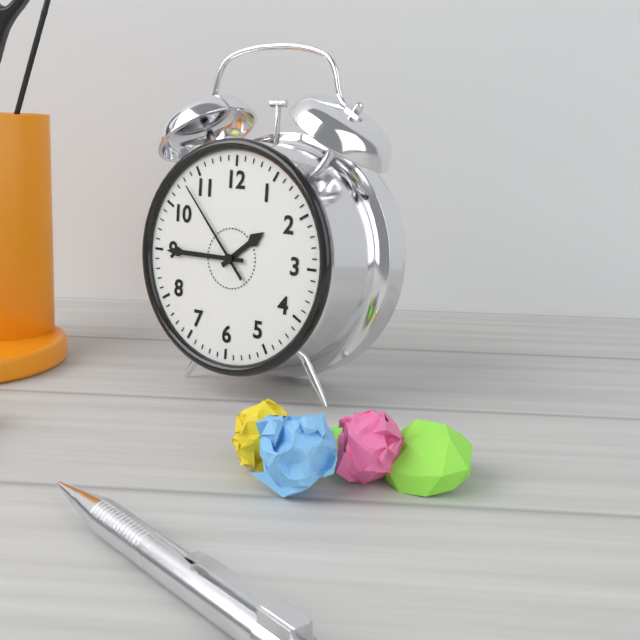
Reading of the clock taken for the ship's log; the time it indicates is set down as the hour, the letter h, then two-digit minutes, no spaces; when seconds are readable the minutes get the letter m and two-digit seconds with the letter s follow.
1h45m53s
